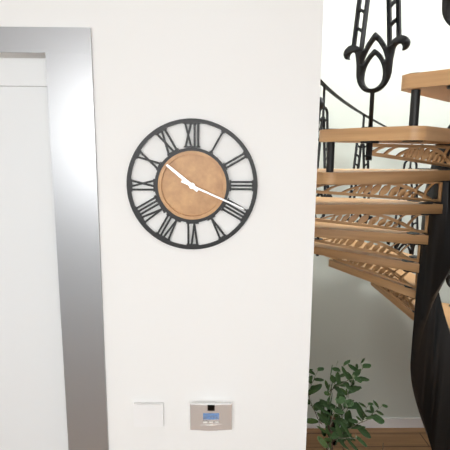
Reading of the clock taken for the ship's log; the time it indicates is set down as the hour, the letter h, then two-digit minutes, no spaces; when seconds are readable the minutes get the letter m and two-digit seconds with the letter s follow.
10h19
